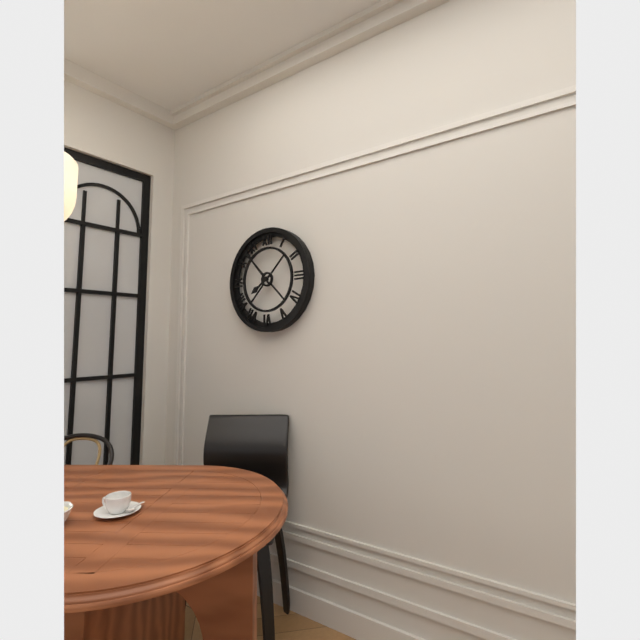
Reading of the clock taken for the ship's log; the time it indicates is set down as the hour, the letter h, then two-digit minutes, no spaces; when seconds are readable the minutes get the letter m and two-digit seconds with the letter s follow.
7h53
